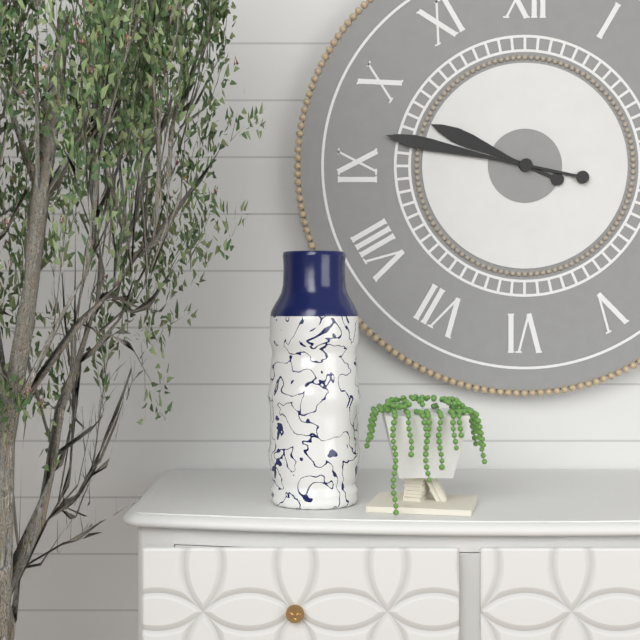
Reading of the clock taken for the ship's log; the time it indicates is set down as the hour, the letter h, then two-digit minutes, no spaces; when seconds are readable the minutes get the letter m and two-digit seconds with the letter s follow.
9h47
